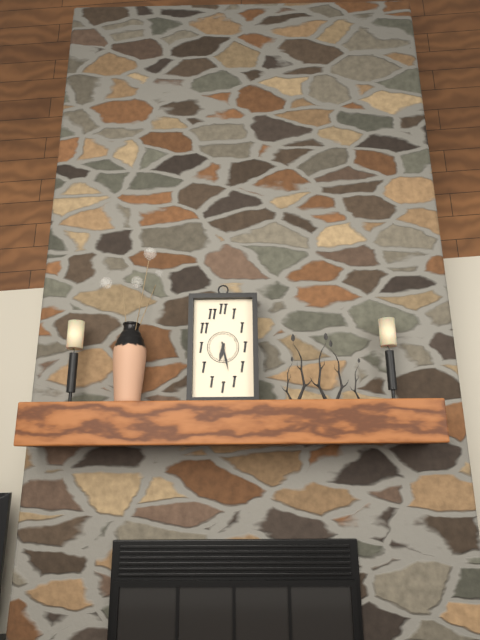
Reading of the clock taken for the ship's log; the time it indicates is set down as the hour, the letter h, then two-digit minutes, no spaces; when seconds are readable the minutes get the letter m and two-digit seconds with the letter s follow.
6h28
